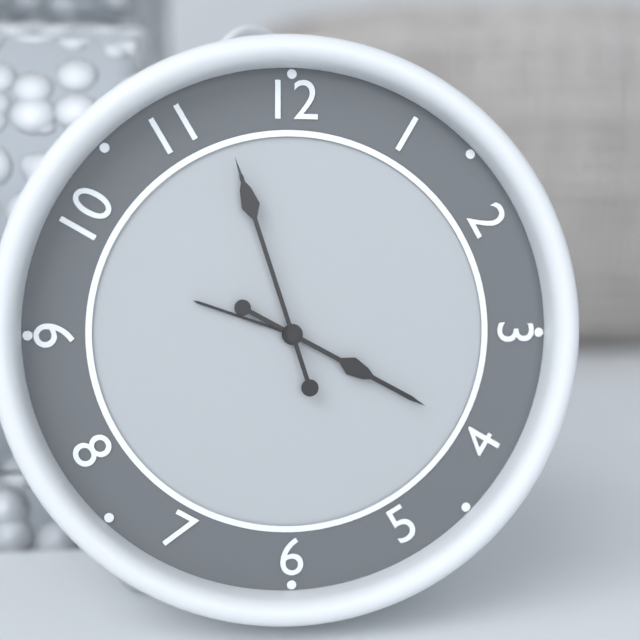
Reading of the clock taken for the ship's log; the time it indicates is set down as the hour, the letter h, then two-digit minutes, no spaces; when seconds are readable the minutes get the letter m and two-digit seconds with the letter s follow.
3h57
